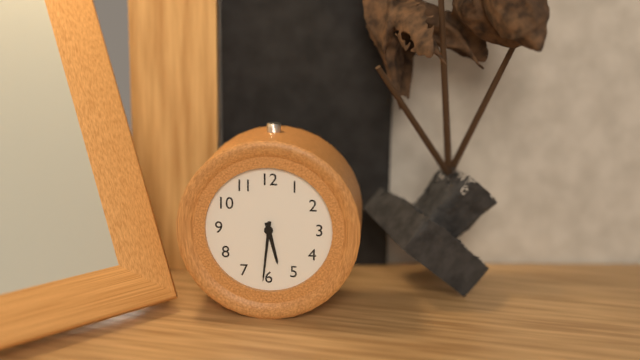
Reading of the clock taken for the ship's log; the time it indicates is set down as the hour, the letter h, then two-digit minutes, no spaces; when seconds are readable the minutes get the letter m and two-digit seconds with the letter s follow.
5h31
